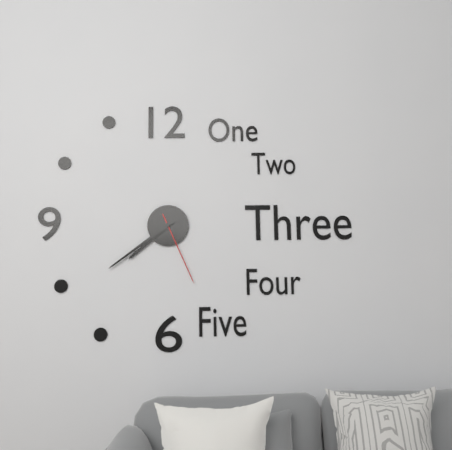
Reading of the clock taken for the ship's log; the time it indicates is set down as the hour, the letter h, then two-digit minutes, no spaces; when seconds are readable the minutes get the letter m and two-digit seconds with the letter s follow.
7h39m26s
